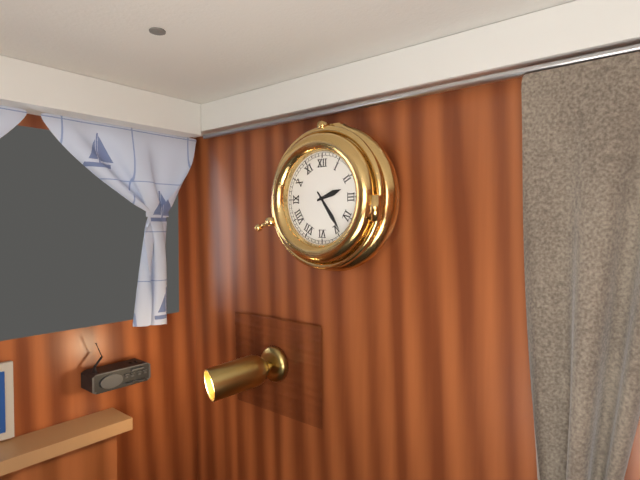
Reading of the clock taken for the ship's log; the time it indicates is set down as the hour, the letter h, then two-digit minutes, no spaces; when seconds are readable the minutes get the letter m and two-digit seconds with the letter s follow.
2h24
